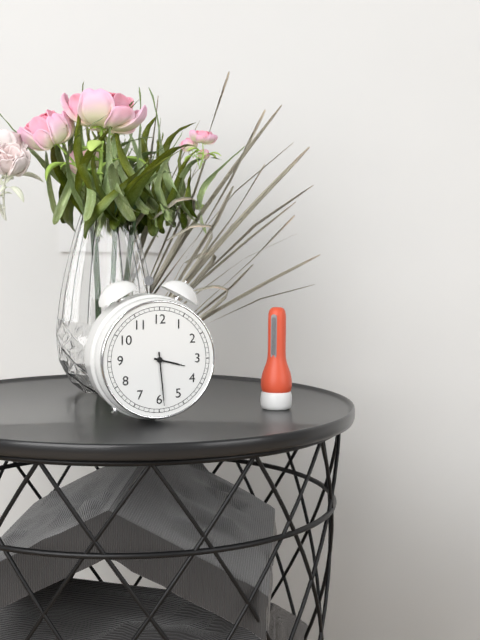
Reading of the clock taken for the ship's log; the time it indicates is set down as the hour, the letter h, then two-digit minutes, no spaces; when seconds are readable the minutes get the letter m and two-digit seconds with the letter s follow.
3h29
